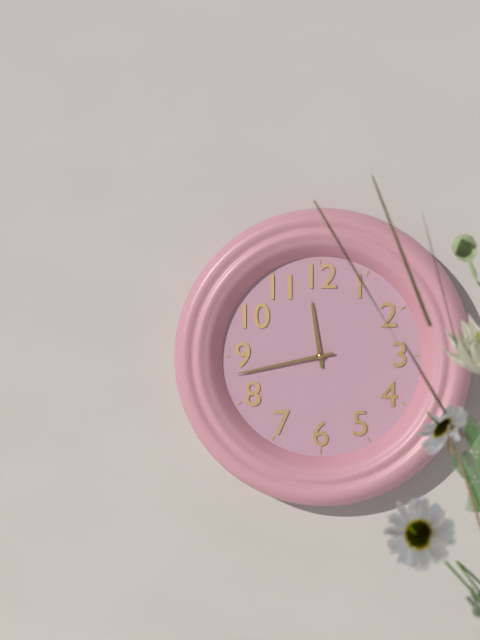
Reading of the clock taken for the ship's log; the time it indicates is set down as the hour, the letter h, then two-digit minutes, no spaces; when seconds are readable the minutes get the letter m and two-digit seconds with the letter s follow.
11h43
